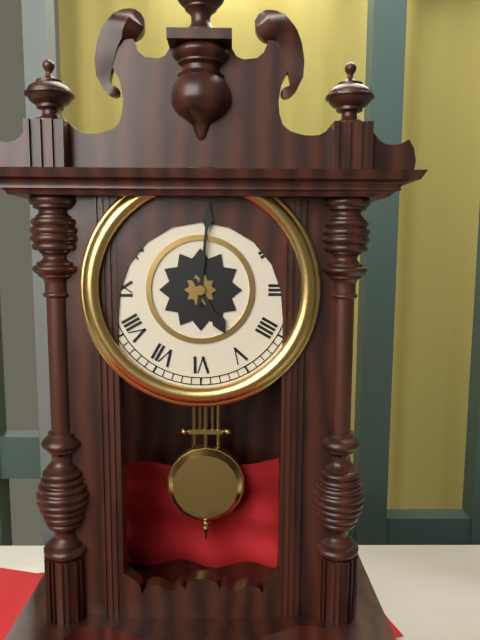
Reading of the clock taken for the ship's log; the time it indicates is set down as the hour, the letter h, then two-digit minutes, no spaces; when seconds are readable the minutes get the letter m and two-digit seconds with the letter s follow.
5h01
